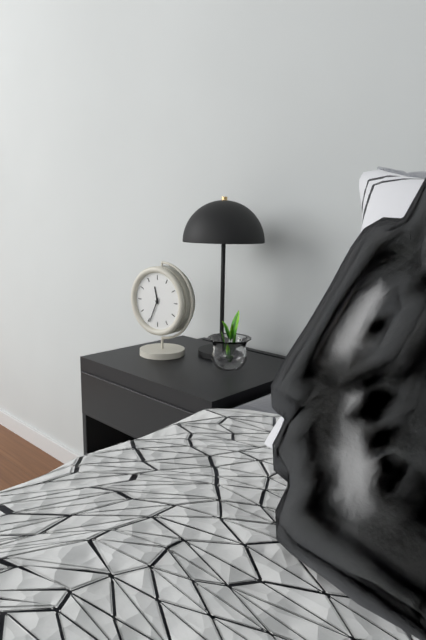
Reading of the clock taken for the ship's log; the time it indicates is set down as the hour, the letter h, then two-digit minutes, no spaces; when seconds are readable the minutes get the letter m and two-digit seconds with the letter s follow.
11h34
